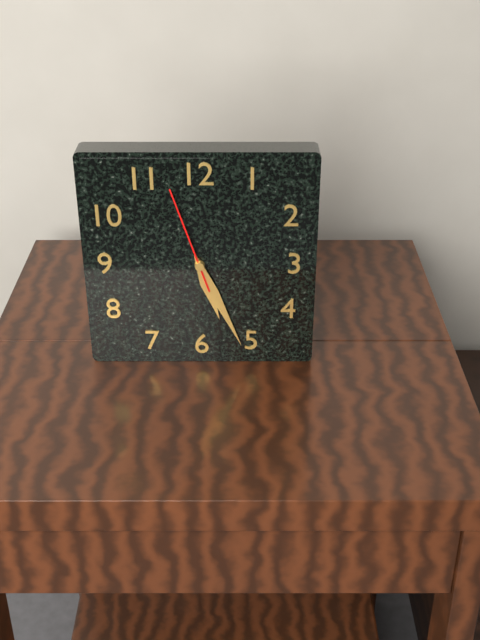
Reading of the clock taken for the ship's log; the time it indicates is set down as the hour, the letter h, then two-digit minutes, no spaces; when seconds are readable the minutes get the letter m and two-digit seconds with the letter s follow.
5h26m57s
